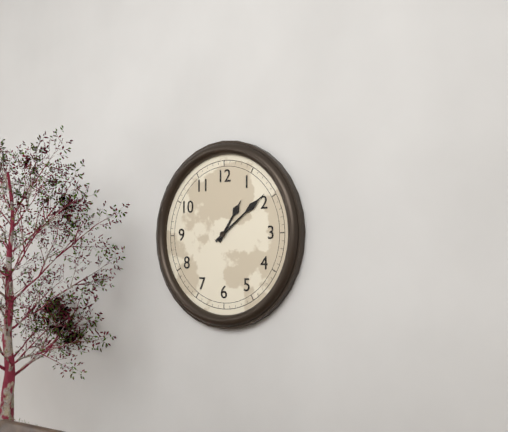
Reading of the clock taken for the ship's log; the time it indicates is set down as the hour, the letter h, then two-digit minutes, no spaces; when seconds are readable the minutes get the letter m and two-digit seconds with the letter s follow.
1h09
